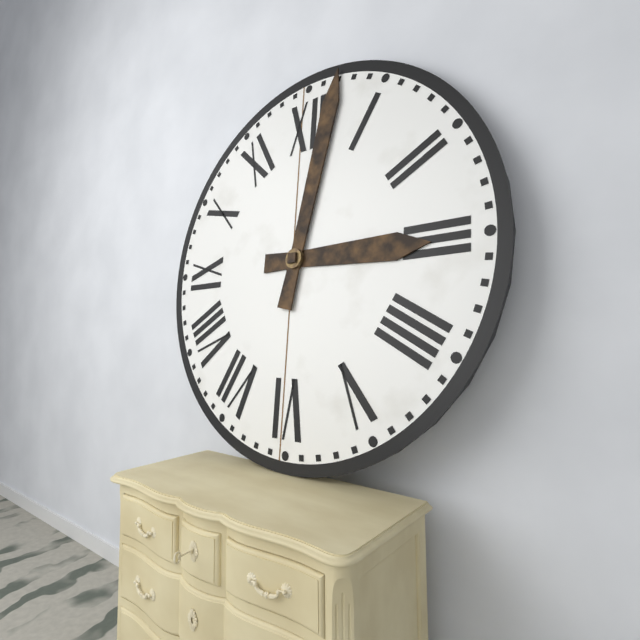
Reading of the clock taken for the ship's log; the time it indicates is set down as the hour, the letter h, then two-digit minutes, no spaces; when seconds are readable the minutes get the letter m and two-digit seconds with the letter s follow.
3h02
